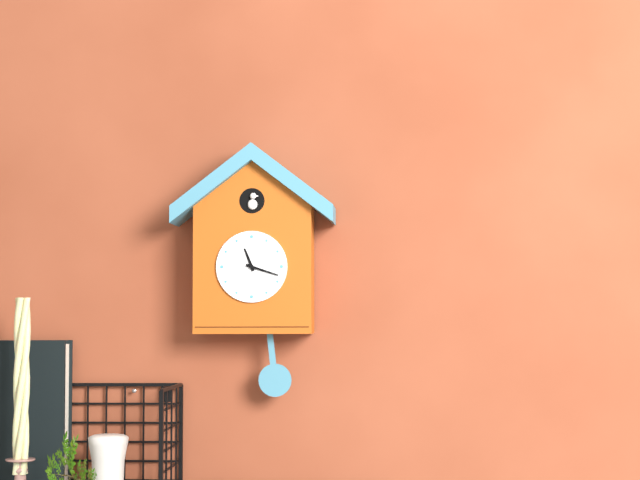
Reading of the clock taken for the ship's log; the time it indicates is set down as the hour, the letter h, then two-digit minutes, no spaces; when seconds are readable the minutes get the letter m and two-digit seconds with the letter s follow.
11h18
